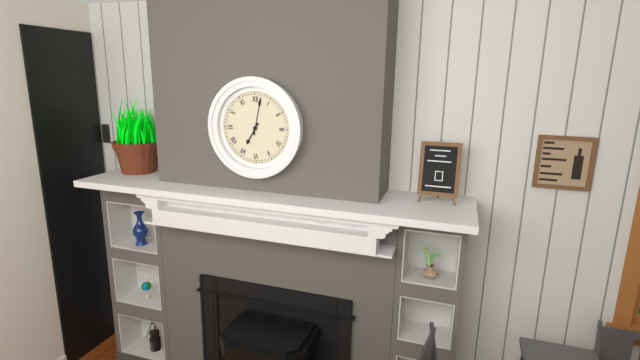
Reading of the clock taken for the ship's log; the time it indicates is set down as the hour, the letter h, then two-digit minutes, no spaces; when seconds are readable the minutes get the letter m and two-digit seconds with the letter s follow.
7h02
